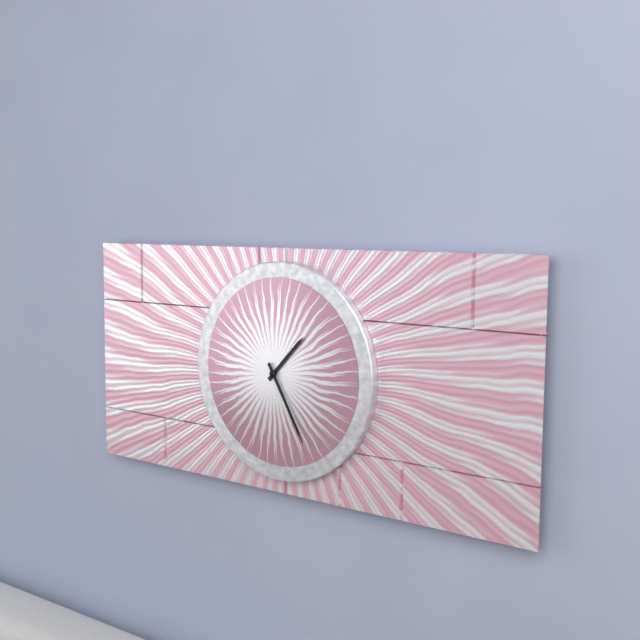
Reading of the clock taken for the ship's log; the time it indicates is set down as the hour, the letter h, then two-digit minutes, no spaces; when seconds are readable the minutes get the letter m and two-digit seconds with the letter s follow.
1h25
